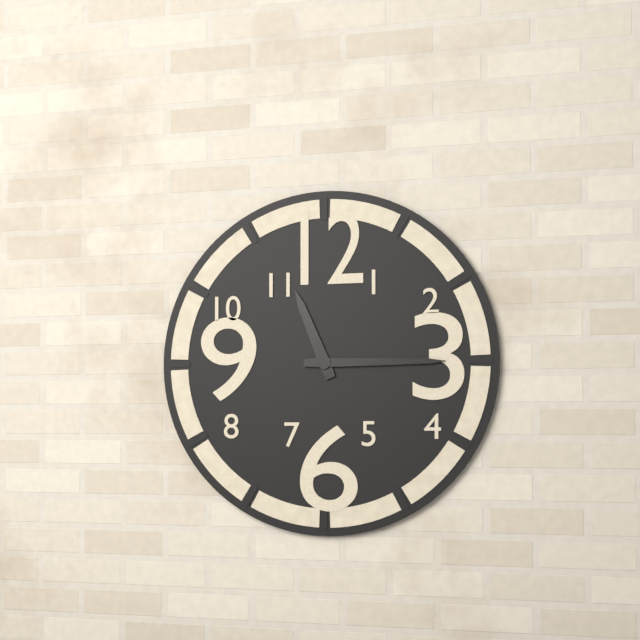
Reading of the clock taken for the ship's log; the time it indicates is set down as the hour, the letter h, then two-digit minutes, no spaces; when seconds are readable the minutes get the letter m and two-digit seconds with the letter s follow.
11h15
